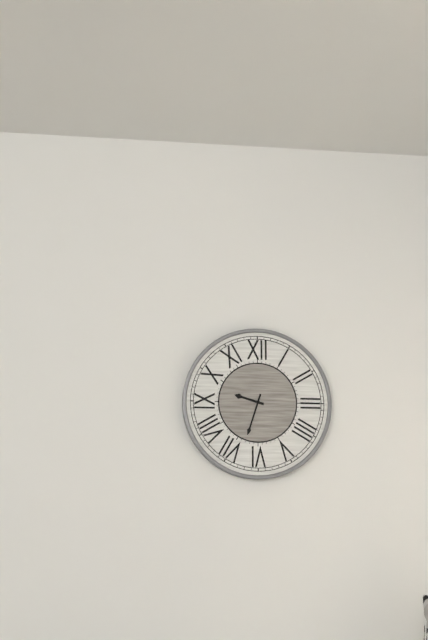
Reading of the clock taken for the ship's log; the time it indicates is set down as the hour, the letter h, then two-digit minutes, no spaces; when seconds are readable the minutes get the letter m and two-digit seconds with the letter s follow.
9h33
